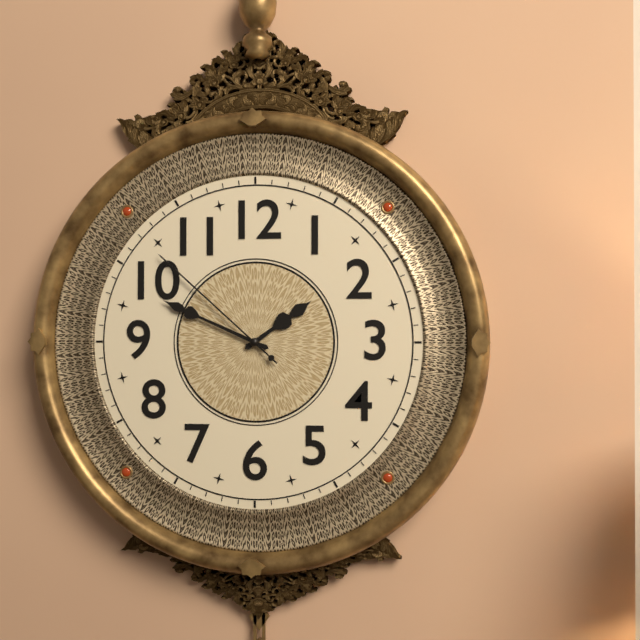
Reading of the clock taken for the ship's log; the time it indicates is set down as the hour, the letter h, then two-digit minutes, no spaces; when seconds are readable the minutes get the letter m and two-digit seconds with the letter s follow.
1h49m52s
